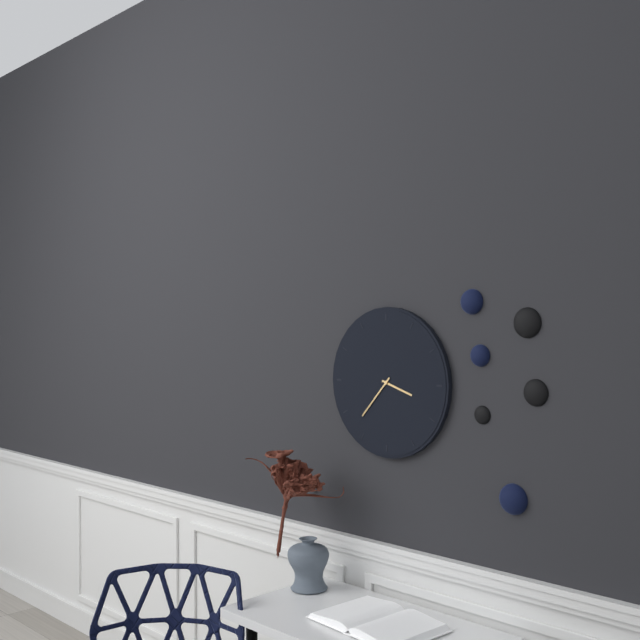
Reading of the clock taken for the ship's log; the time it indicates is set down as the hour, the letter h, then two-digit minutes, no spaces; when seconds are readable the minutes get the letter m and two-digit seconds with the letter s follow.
3h37
